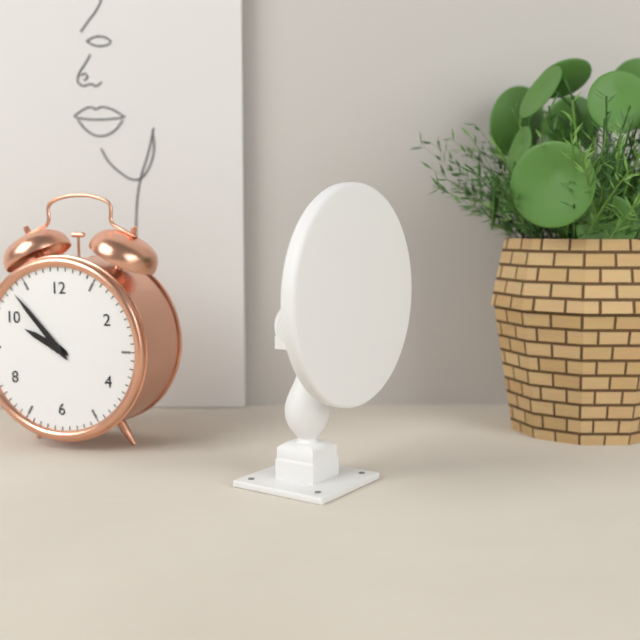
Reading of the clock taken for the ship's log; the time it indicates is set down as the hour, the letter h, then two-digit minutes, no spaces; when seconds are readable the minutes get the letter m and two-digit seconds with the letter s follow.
9h53
